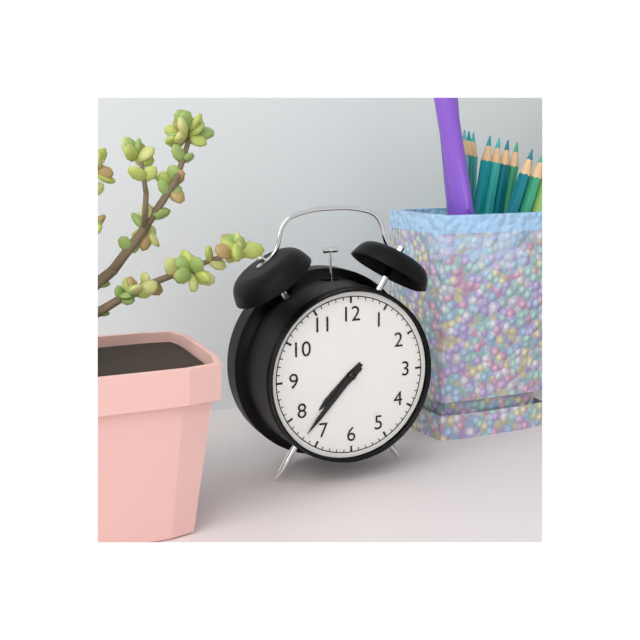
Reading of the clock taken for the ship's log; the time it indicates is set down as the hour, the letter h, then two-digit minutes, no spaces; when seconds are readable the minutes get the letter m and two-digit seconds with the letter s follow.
7h37
